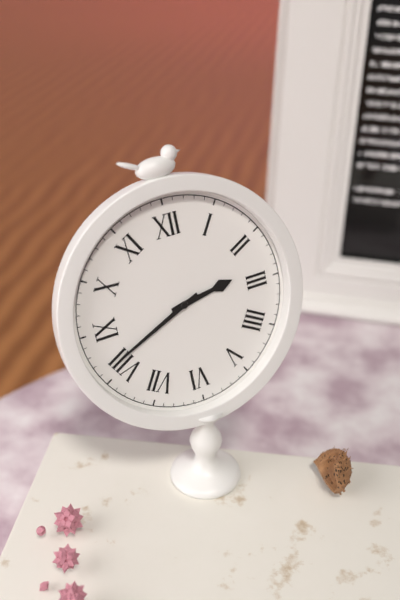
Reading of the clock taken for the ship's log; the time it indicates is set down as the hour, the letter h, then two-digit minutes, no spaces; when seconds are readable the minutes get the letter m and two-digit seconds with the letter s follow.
2h41
